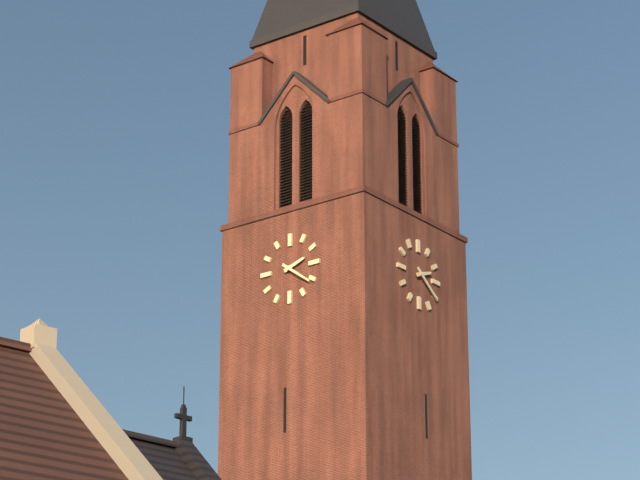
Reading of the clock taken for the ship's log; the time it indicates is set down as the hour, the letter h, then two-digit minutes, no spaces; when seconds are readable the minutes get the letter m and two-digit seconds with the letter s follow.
2h21
